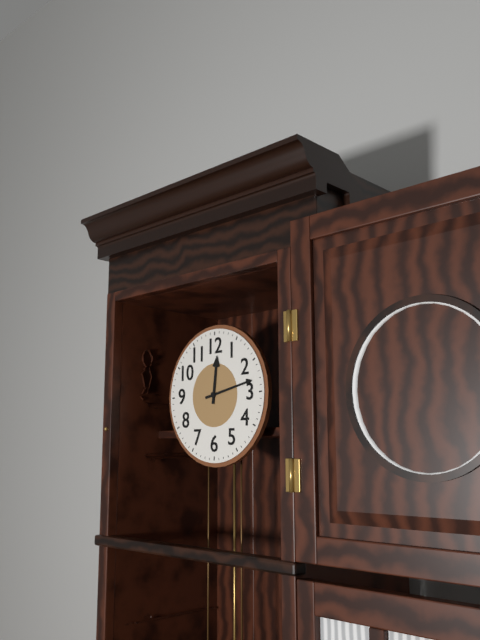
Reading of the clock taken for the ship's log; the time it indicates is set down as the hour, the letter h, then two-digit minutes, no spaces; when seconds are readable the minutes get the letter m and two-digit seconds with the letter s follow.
12h13
